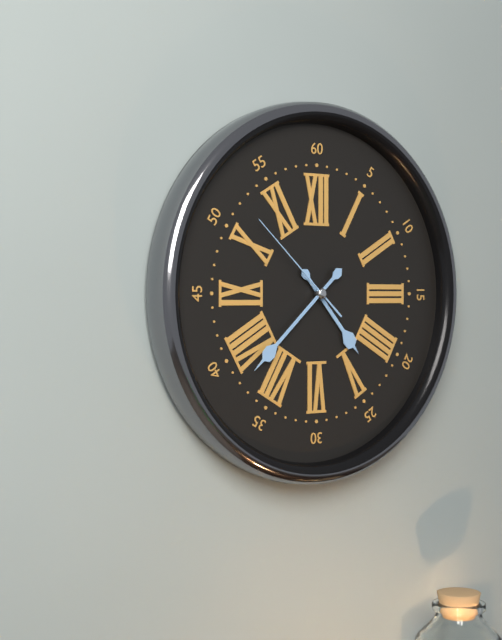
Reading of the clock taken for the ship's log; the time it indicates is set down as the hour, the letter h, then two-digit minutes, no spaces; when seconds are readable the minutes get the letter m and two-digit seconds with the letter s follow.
4h38m52s
